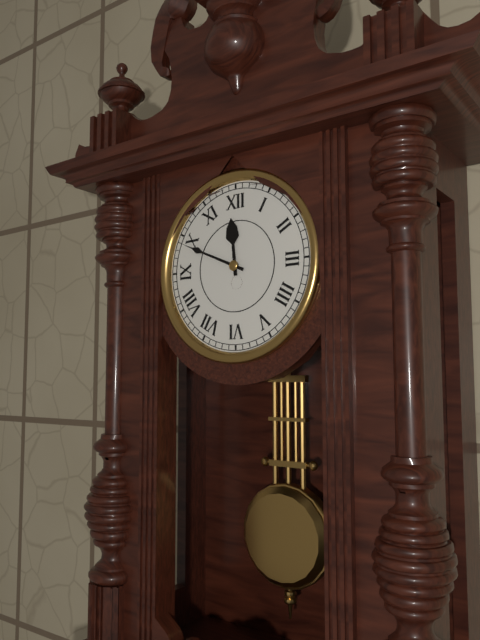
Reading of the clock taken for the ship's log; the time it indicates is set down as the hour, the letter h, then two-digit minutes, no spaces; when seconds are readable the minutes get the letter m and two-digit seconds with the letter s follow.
11h49
